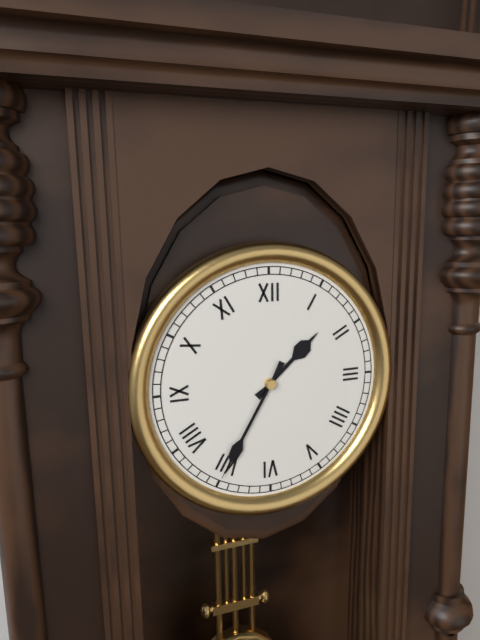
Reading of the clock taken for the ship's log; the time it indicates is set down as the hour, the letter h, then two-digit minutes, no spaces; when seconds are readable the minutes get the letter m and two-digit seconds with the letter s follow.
1h35
